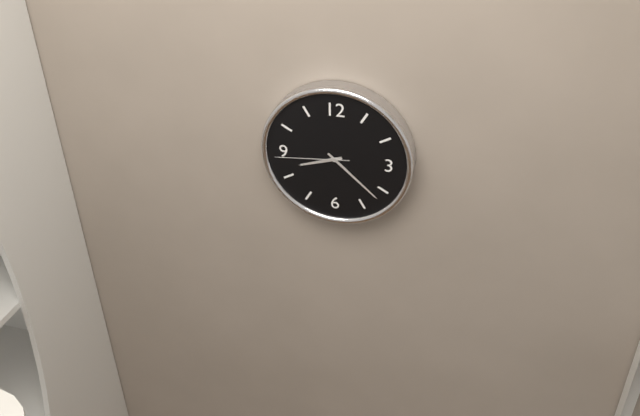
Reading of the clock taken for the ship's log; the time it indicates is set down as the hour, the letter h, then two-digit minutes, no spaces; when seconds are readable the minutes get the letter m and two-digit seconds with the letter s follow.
8h22m44s
